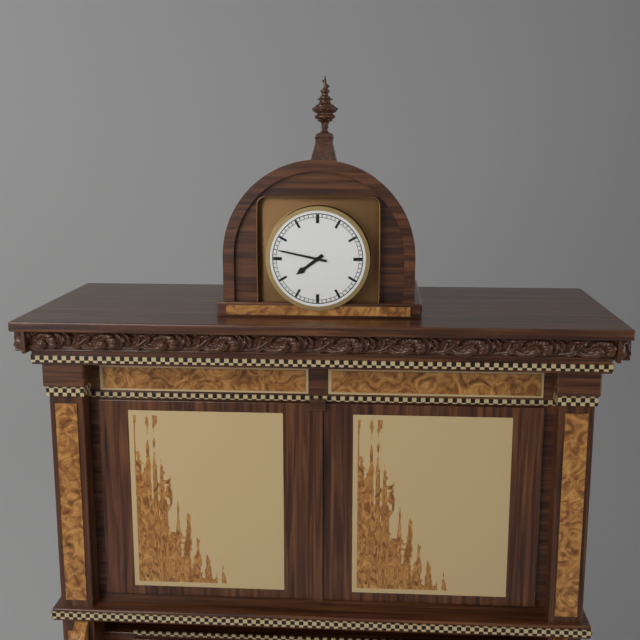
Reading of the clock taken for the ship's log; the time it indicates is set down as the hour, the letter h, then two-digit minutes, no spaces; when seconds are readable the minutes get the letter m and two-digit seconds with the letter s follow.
7h47
